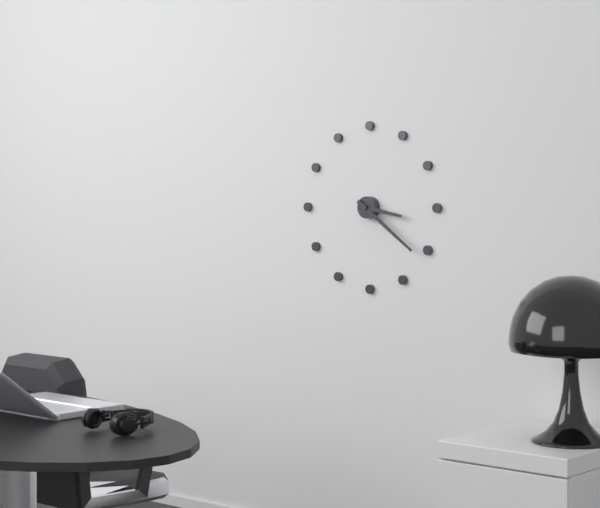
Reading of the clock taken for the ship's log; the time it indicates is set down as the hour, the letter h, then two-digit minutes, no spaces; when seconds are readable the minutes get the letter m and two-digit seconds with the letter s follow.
3h21
